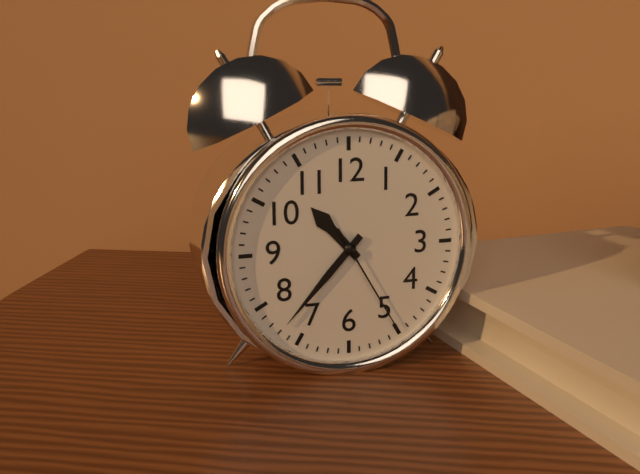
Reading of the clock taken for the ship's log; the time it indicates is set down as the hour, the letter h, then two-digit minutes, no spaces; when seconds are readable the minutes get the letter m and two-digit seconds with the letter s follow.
10h37m25s
